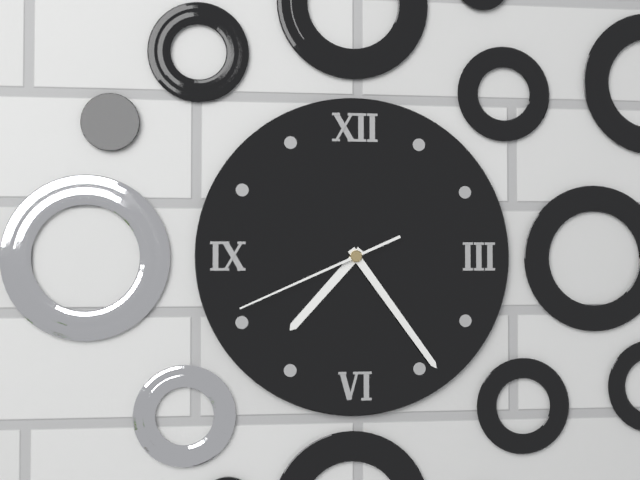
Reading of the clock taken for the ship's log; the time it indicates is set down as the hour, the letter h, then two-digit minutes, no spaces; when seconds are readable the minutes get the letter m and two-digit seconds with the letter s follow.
7h24m41s
